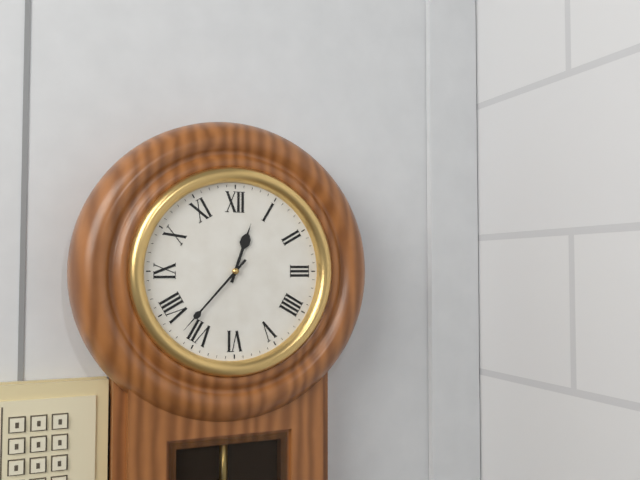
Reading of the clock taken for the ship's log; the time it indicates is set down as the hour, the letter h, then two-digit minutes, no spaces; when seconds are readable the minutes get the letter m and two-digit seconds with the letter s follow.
12h37
